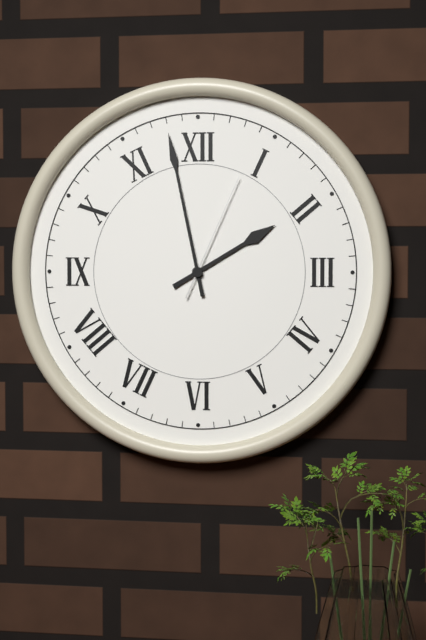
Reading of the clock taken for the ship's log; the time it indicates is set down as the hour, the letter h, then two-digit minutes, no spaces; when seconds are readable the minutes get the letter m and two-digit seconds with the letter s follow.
1h58m04s
